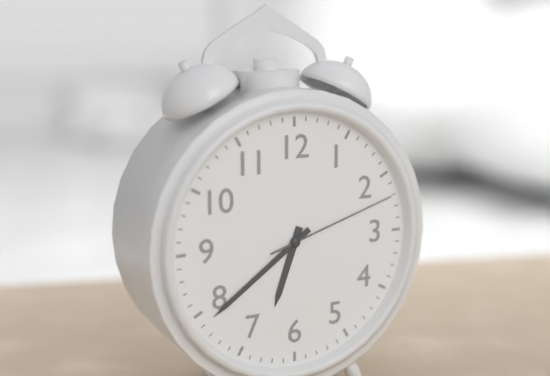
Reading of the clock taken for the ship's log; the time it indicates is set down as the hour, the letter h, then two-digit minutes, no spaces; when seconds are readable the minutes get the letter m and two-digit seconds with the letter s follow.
6h39m12s
